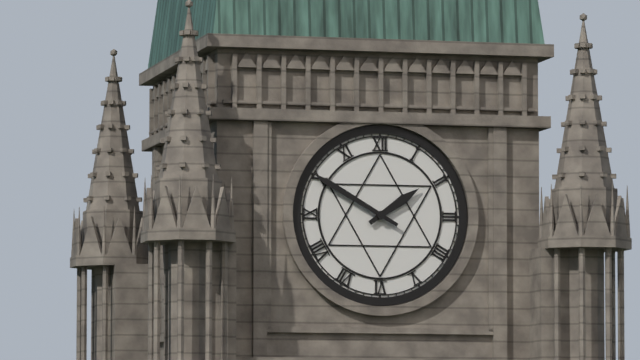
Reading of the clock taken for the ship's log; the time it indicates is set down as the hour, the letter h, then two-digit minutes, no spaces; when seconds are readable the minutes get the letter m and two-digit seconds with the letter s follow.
1h50
